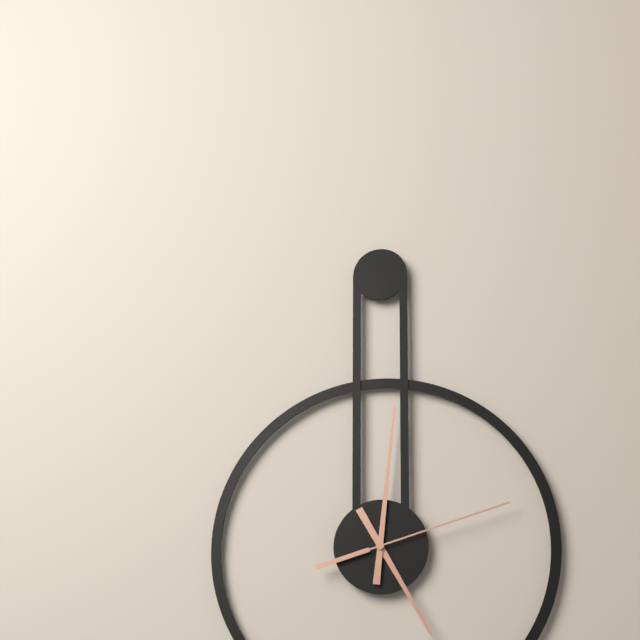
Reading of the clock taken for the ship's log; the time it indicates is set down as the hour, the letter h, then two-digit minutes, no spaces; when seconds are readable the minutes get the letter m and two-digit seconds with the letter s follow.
5h01m12s
